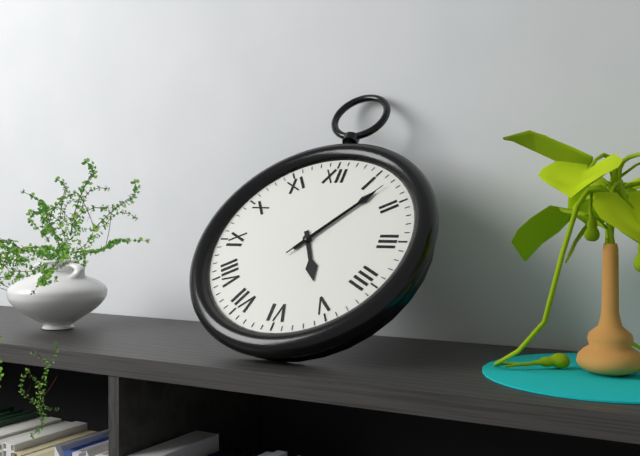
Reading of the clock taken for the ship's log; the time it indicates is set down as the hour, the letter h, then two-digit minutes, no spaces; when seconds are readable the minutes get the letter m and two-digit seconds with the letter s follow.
5h07m07s
